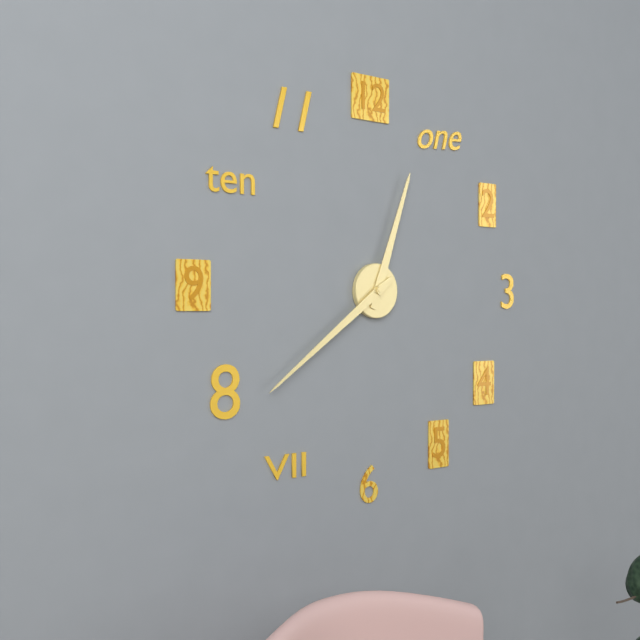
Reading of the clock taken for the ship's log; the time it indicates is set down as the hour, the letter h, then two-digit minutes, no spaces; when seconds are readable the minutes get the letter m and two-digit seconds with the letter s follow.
12h39
